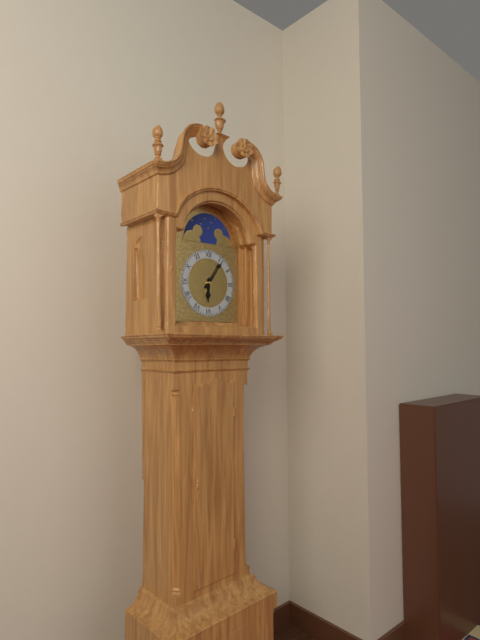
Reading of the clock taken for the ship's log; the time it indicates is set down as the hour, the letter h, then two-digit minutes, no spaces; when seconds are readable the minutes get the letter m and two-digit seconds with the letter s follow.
6h06
